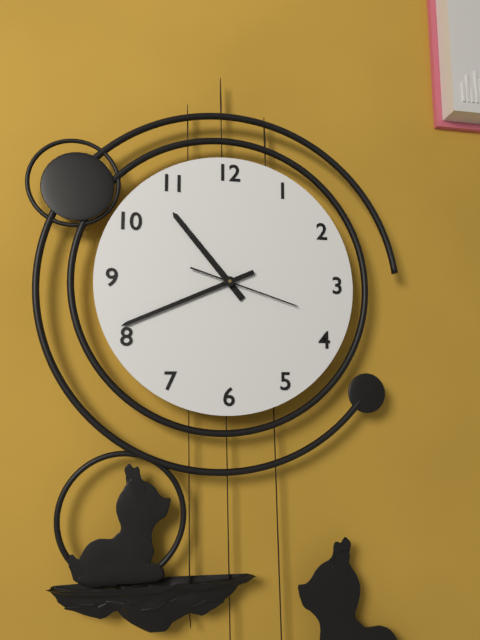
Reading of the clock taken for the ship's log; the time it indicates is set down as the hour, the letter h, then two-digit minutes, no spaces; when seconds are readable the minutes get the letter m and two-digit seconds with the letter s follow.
10h41m18s
